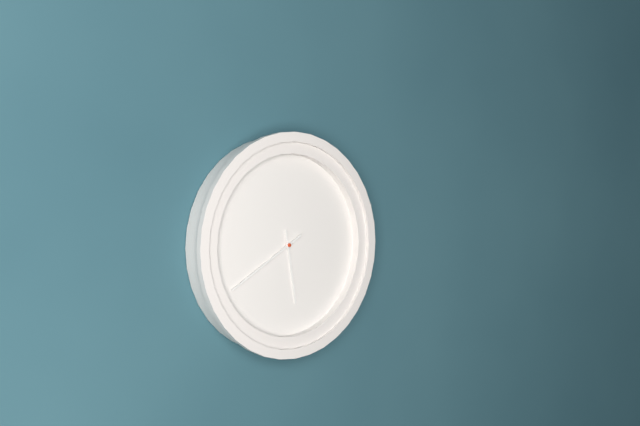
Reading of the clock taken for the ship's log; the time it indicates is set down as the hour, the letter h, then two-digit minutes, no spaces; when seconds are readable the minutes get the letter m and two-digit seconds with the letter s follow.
5h40
